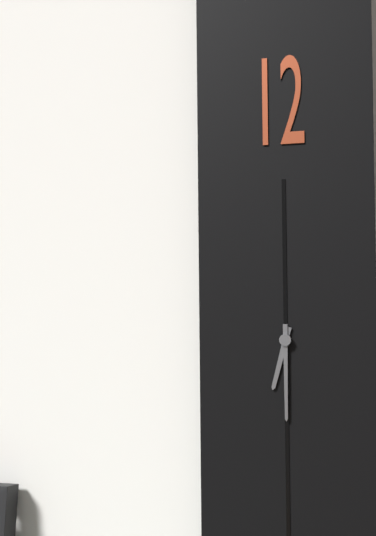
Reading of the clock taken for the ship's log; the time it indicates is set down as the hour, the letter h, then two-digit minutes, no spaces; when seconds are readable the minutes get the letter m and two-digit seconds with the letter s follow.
6h30
